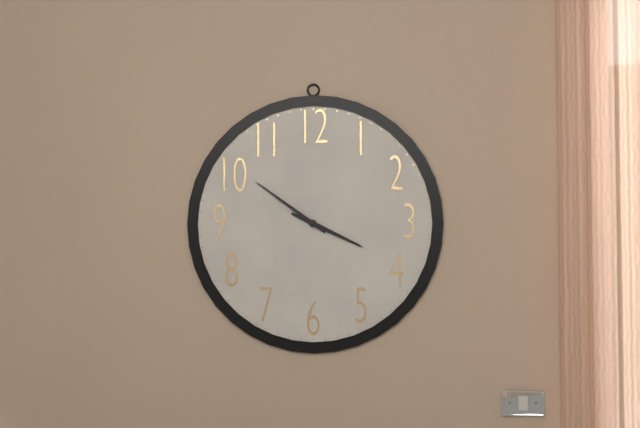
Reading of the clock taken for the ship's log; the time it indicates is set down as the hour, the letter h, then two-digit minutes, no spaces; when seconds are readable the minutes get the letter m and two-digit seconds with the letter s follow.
3h51
